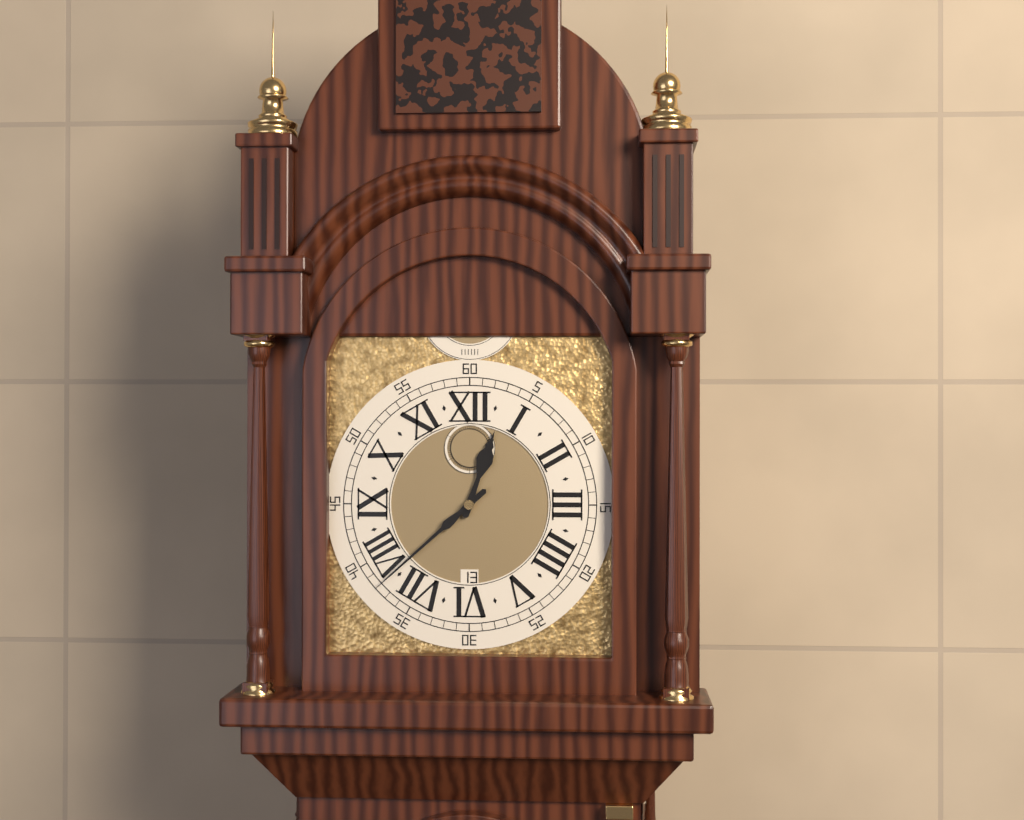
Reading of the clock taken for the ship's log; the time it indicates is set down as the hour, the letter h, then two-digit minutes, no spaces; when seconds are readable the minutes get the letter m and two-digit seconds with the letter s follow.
12h38
